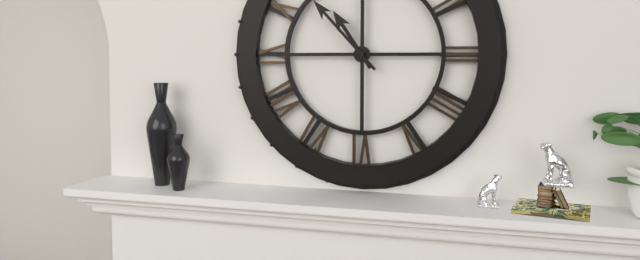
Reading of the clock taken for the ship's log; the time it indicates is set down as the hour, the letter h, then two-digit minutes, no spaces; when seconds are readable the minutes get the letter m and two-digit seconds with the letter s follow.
10h53
